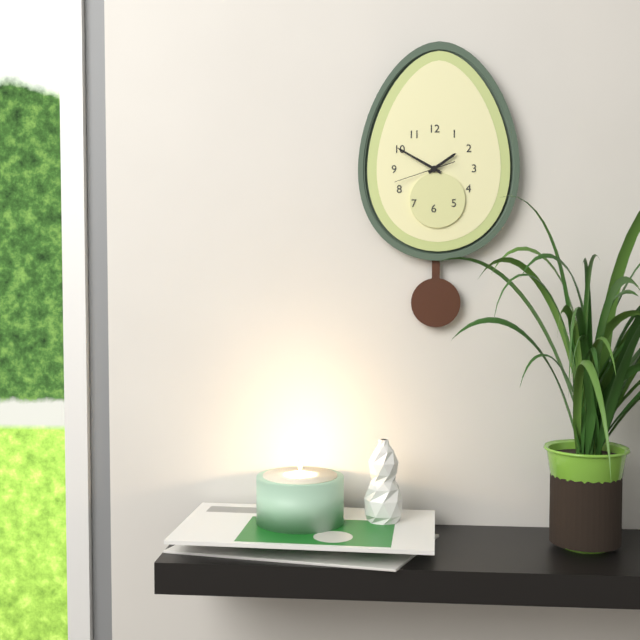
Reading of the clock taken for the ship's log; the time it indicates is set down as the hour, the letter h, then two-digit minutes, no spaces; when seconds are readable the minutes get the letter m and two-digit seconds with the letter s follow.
1h50m42s
